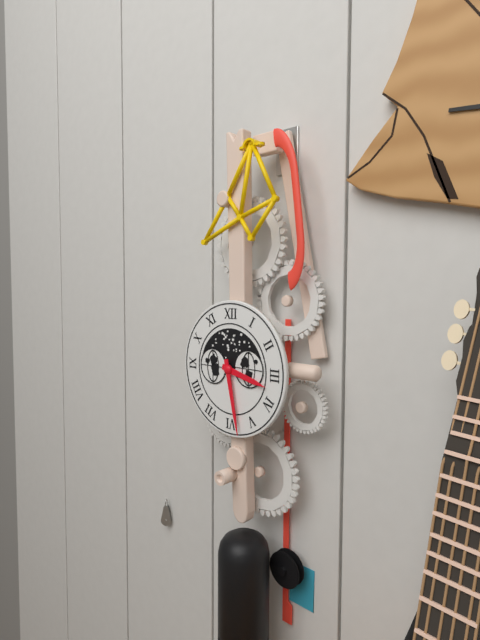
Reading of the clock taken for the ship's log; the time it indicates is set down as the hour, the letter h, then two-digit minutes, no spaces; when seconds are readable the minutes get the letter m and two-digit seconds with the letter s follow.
3h28
